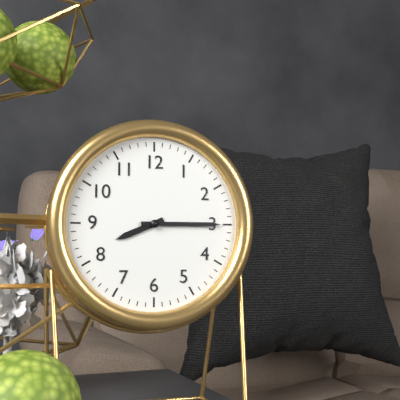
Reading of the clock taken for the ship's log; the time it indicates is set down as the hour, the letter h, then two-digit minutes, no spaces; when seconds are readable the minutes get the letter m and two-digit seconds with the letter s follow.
8h15
